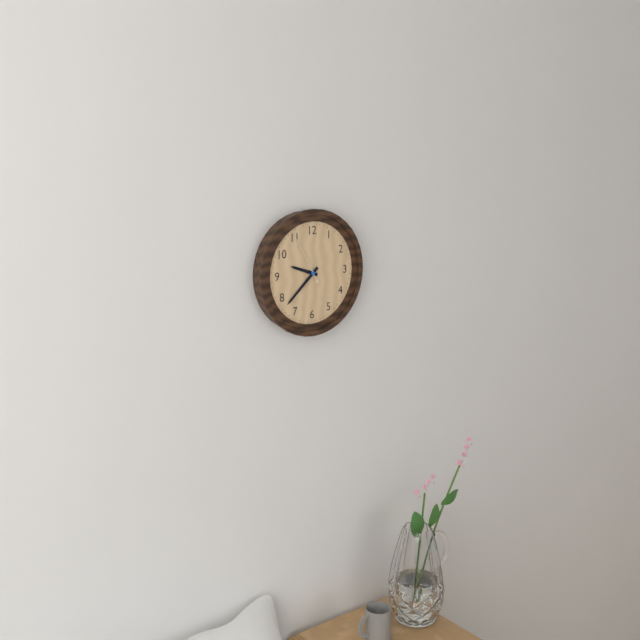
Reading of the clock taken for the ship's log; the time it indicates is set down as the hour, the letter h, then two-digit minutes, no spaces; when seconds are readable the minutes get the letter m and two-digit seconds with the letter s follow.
9h38m55s
